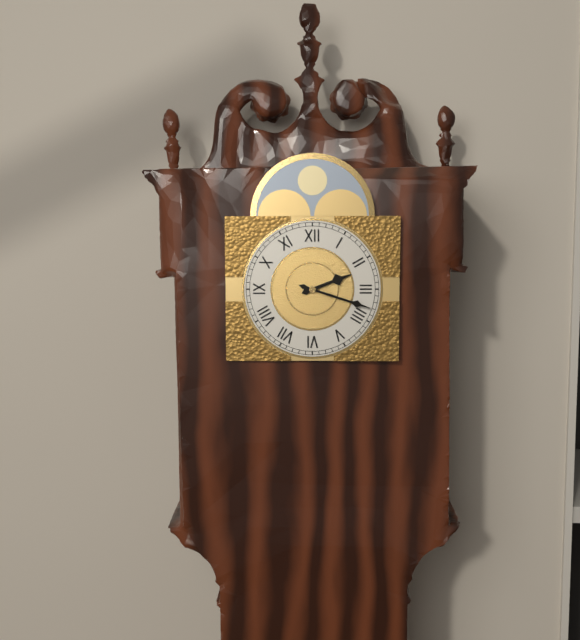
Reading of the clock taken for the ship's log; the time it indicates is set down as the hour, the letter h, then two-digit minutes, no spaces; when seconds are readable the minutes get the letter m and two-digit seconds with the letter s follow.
2h18
